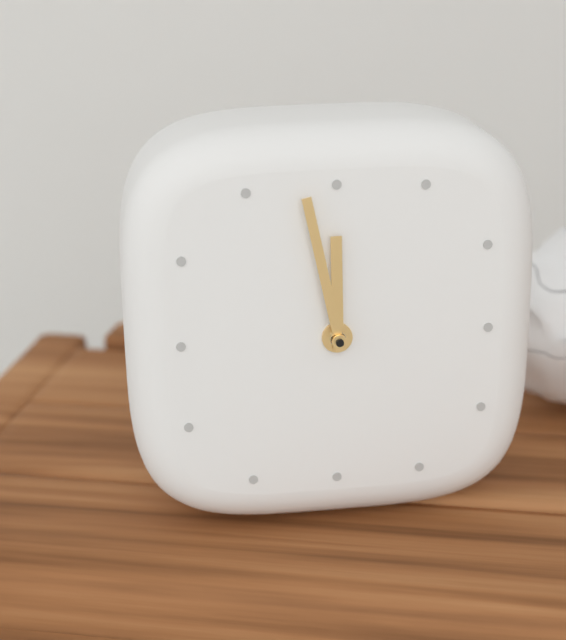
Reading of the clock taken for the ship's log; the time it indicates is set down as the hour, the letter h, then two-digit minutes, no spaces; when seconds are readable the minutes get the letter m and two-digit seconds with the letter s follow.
11h58
